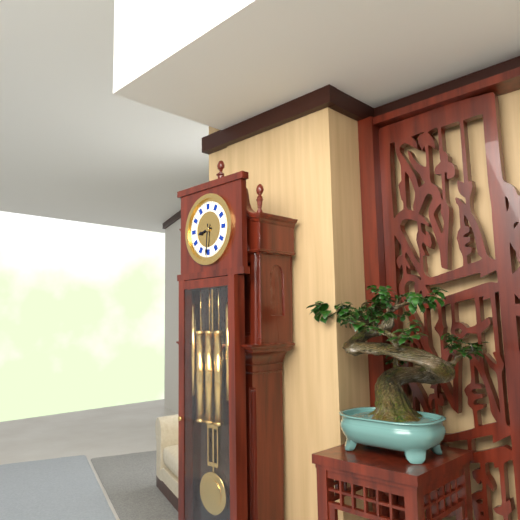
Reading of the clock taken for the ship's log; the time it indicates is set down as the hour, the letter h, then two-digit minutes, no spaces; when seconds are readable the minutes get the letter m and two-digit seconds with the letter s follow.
8h31
